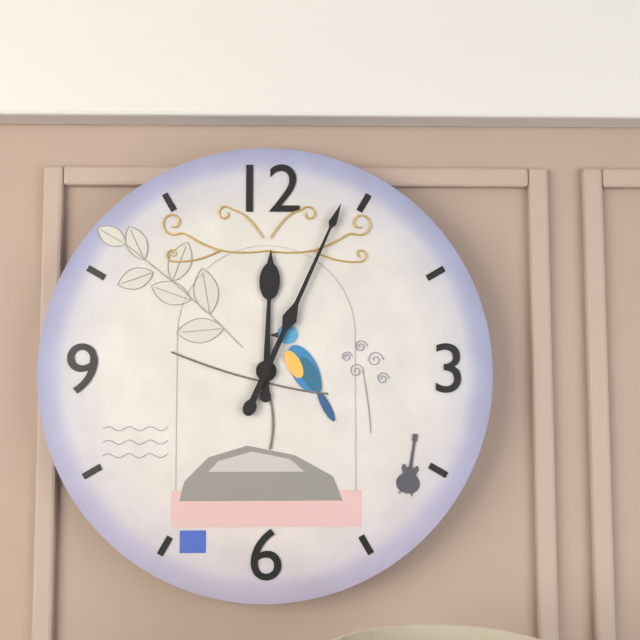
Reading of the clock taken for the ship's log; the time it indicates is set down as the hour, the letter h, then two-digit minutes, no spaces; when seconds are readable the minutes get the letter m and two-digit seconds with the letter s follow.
12h04
